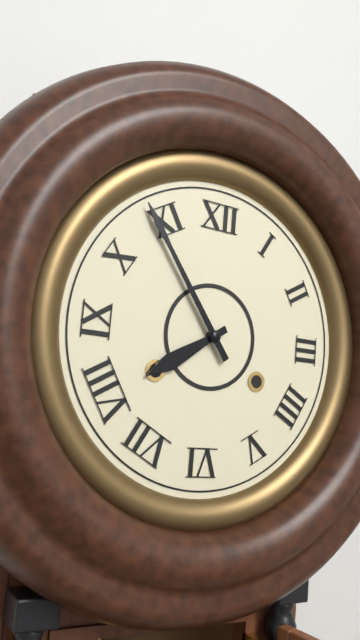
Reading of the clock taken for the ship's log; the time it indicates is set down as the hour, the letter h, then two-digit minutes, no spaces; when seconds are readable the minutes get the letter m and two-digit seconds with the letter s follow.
7h54
